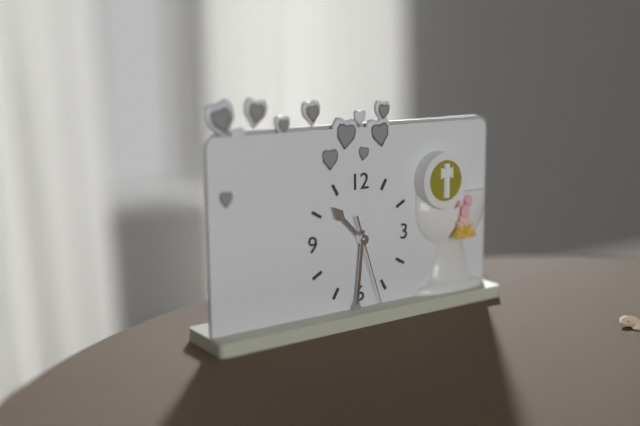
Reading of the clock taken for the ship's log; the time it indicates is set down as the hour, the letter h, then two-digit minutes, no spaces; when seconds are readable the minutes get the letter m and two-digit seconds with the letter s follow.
10h31m27s
